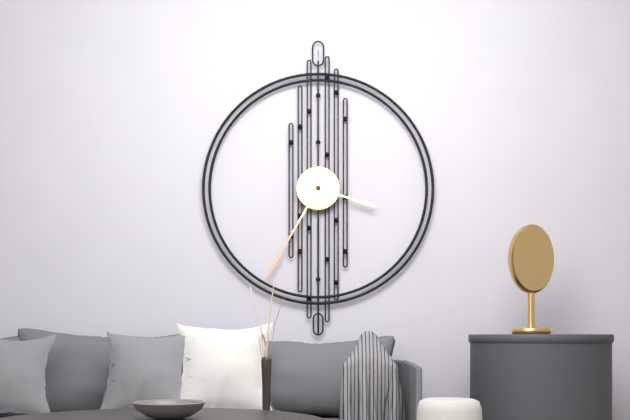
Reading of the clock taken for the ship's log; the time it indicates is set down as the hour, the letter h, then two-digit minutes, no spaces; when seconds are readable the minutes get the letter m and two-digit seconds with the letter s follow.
3h35
